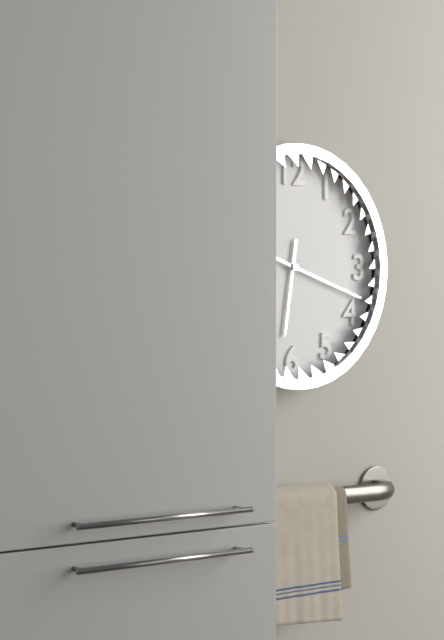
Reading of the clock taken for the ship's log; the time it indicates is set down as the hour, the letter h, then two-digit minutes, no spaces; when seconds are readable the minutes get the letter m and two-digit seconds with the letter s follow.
6h18
